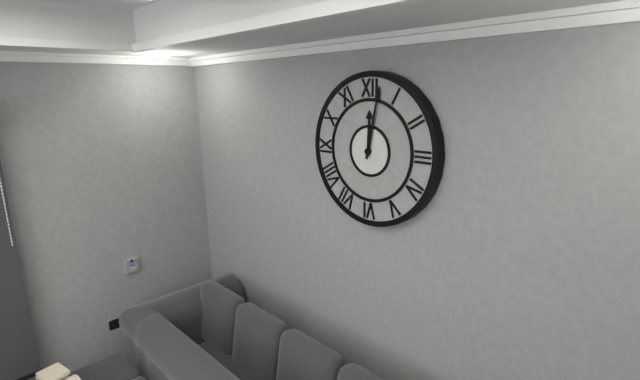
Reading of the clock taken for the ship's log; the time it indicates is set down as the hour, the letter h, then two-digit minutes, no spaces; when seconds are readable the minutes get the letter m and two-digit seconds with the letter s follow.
12h02
